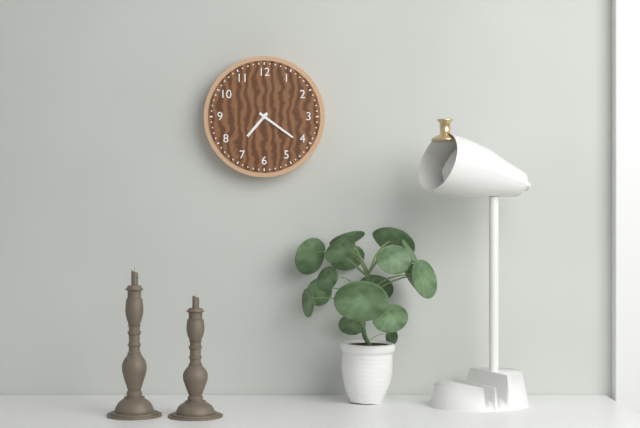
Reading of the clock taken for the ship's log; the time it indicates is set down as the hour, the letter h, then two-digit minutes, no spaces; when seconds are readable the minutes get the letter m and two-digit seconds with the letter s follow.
7h21
